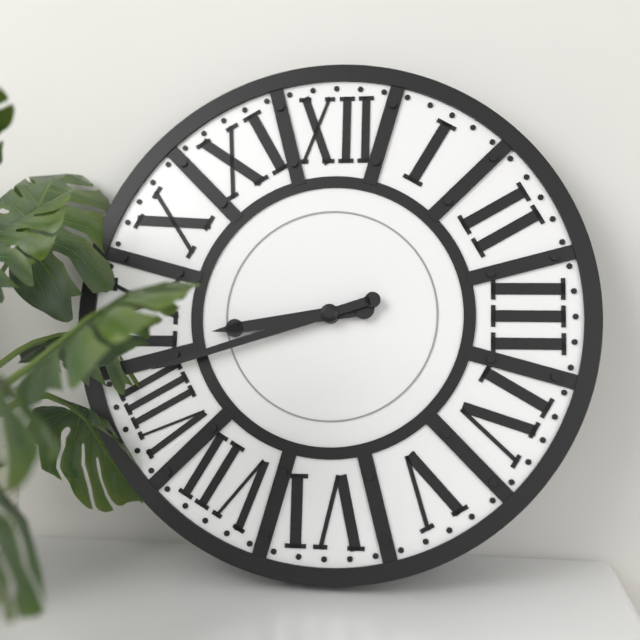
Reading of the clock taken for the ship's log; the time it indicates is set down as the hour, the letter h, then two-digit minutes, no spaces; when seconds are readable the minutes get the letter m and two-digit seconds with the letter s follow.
8h42
